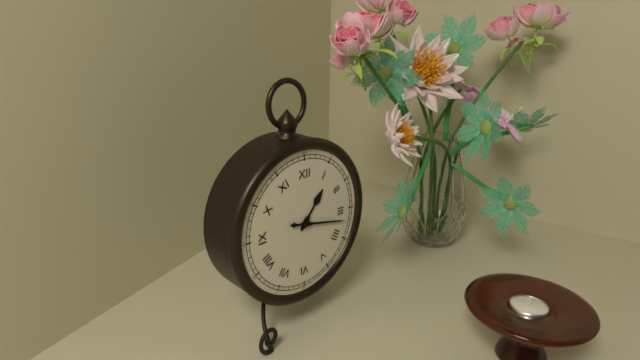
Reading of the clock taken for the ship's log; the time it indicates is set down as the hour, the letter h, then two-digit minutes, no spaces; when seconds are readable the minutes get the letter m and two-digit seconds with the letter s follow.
1h17
